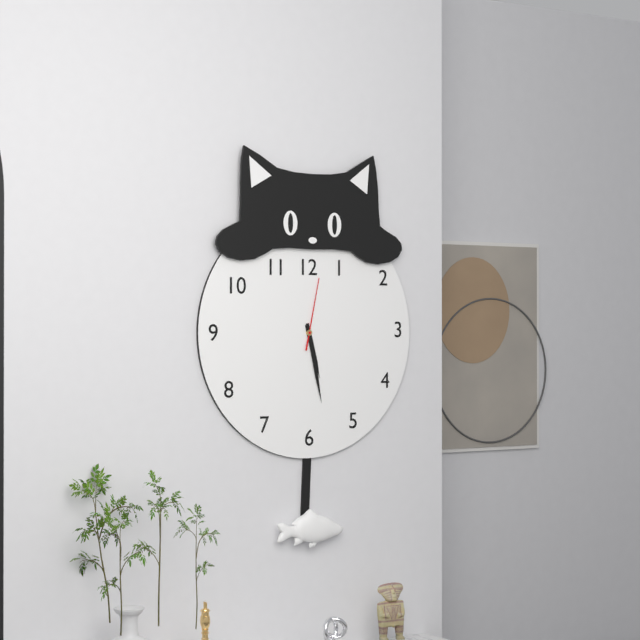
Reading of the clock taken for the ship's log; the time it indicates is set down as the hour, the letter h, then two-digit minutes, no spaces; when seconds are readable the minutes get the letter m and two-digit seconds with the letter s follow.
5h28m02s
